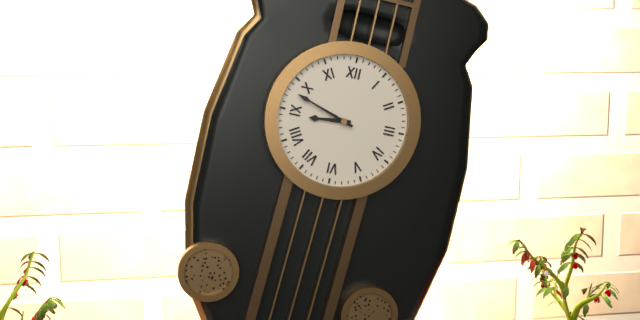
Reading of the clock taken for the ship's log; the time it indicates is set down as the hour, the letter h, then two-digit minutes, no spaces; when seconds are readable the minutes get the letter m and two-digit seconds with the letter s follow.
8h48
